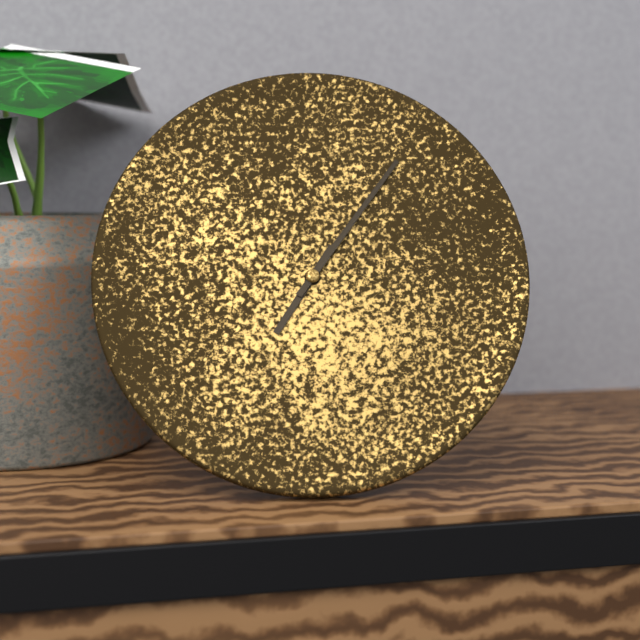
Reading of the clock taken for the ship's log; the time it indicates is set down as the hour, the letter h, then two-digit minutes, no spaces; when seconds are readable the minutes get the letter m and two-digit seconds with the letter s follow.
7h06
